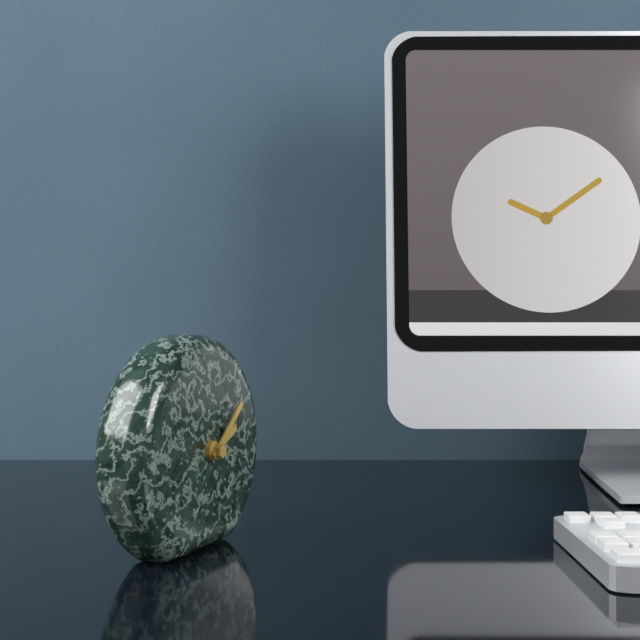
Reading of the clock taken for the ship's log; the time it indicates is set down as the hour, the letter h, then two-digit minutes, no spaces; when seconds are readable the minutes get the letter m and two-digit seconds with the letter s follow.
2h08
